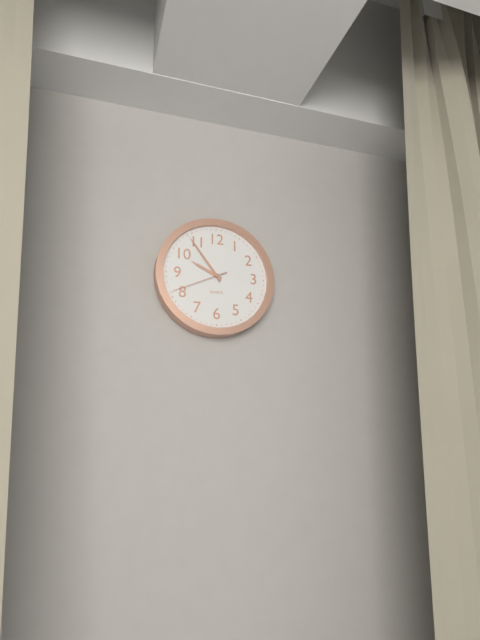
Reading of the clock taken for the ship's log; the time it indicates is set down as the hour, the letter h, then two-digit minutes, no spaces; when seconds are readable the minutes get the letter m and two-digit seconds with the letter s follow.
9h54m41s
